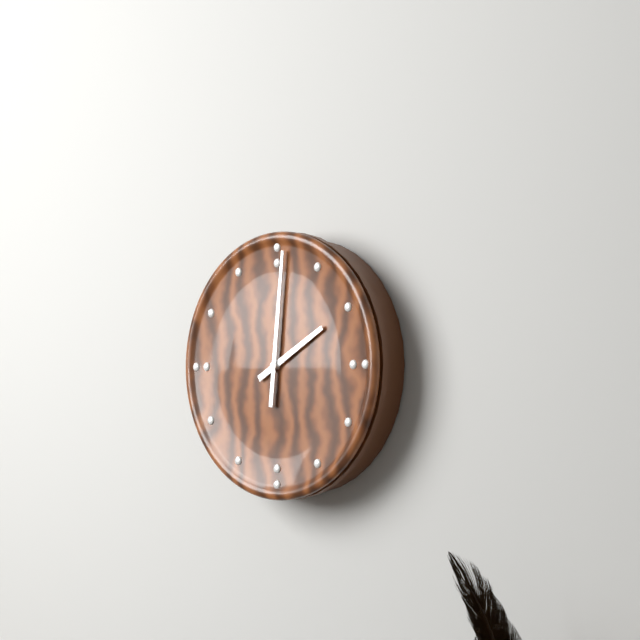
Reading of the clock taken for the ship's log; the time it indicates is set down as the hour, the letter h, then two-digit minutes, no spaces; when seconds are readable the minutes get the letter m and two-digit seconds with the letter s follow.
2h01
